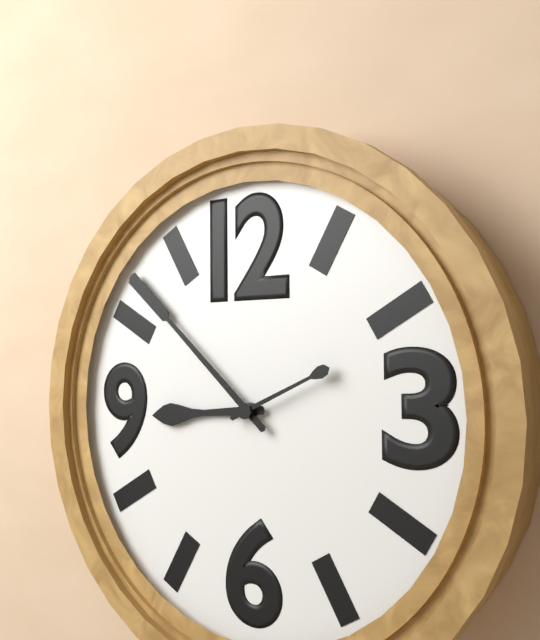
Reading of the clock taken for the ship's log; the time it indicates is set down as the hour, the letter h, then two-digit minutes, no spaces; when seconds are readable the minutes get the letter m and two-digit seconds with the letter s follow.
8h52m11s
